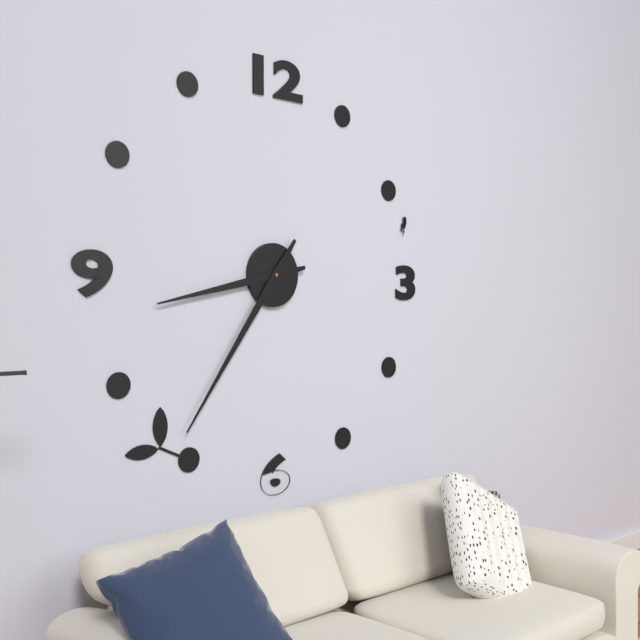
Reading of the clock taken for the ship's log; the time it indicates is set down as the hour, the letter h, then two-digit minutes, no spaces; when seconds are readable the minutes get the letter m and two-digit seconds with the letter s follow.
8h36
